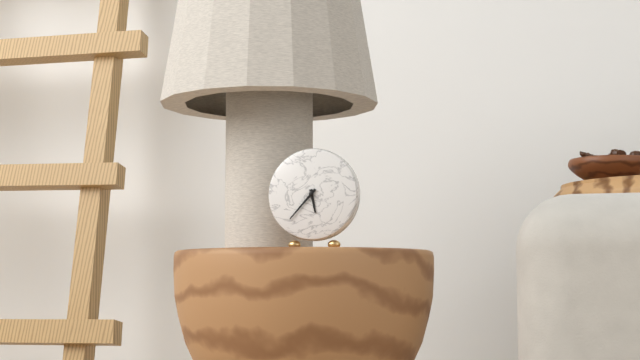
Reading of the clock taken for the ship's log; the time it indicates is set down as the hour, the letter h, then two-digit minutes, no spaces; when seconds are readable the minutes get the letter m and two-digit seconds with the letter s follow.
5h37
